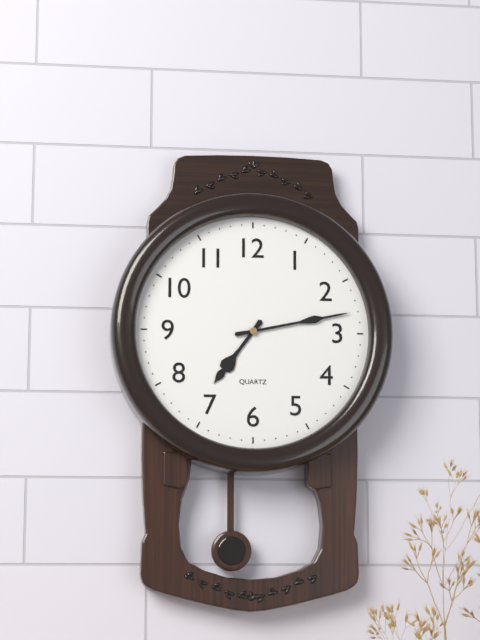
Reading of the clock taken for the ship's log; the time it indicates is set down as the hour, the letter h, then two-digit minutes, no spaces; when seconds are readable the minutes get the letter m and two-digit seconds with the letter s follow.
7h13
